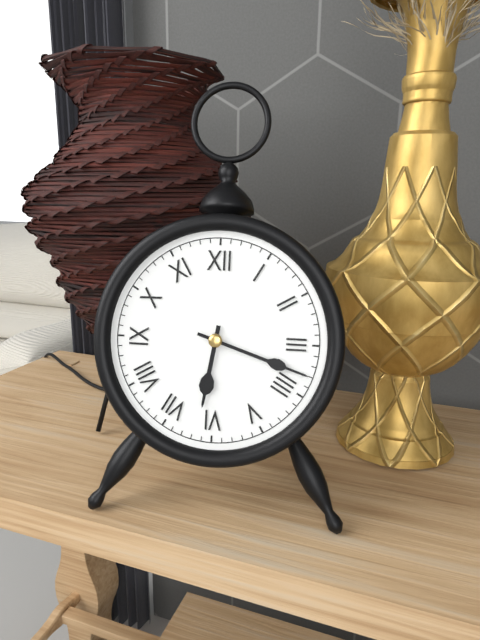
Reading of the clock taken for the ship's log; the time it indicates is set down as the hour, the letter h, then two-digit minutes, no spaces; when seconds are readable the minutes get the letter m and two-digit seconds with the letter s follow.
6h18
